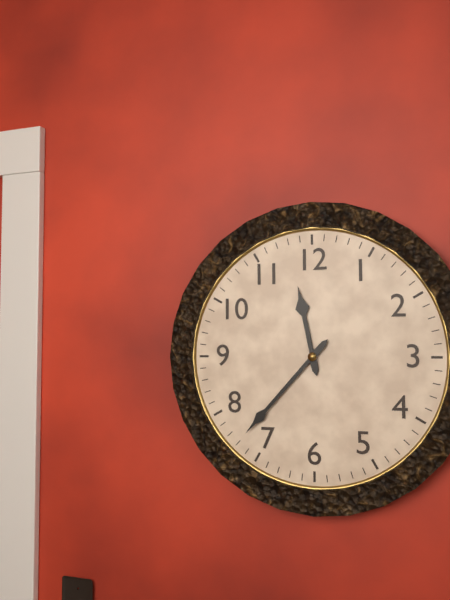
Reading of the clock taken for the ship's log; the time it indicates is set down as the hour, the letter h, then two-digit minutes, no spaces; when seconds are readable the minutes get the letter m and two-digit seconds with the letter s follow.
11h37
